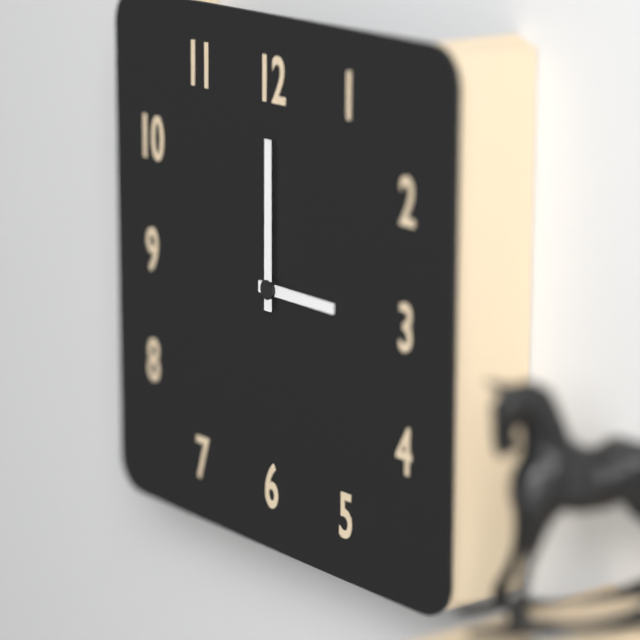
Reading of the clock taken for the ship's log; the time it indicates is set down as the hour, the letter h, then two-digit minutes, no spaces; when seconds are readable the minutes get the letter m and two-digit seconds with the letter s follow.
3h00
